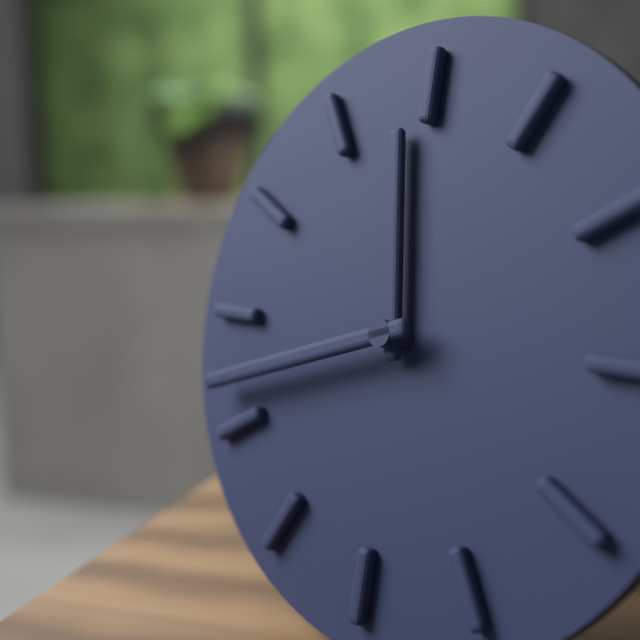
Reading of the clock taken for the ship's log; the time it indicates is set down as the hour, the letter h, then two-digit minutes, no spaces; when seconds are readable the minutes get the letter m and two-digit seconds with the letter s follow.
11h42
